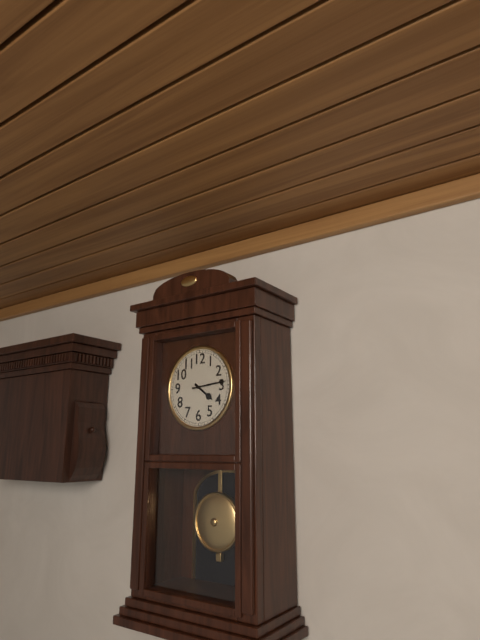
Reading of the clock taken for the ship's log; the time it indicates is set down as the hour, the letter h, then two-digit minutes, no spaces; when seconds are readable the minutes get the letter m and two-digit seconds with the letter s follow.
4h14
